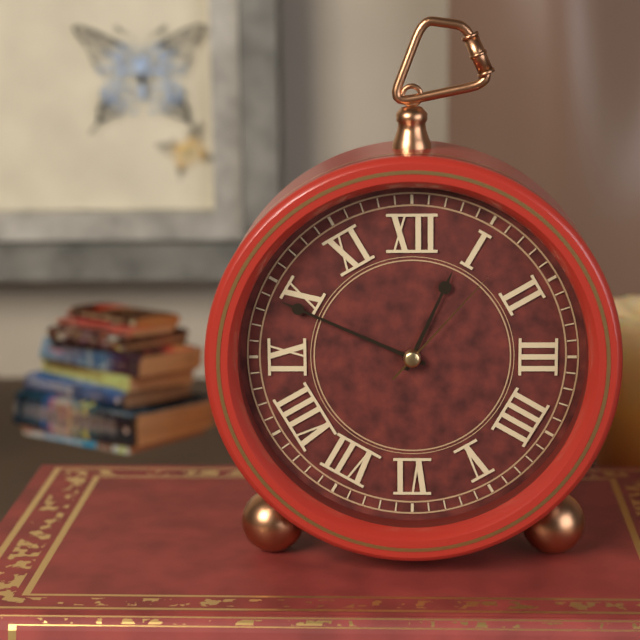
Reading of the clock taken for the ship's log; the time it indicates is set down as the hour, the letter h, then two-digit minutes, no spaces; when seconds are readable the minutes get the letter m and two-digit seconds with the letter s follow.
12h49m07s
